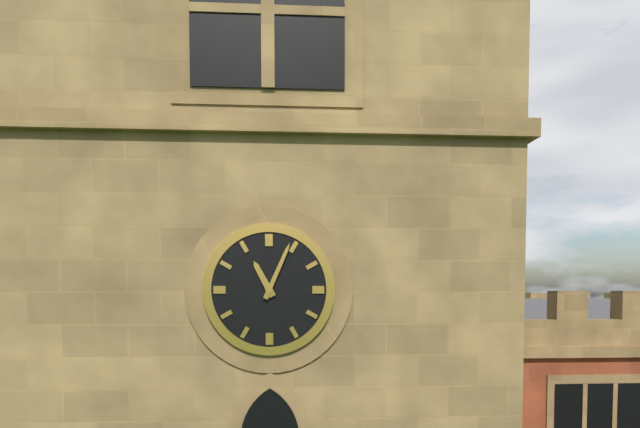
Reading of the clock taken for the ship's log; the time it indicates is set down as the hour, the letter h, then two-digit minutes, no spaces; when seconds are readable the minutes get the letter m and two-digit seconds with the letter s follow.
11h04
